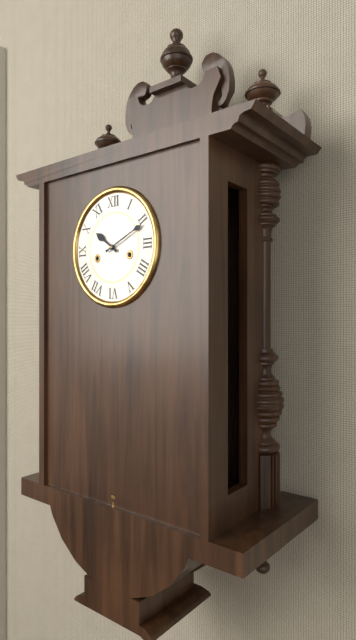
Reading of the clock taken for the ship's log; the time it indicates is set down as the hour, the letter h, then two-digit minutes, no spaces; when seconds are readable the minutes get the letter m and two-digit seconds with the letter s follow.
10h11
